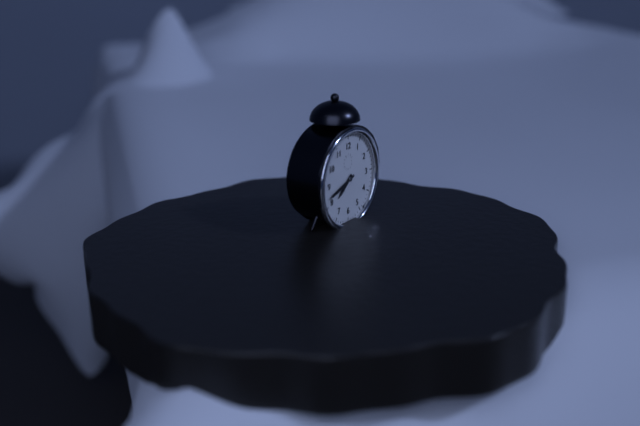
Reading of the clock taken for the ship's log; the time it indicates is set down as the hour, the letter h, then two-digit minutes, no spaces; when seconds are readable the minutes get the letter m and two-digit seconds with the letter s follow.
7h42
